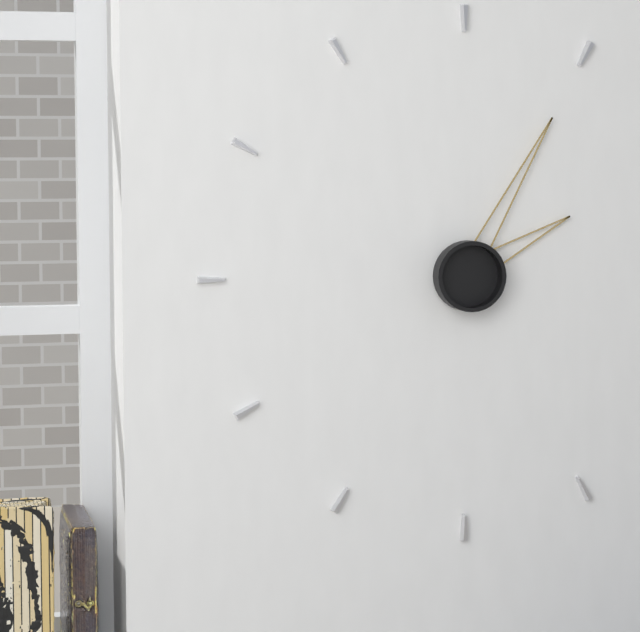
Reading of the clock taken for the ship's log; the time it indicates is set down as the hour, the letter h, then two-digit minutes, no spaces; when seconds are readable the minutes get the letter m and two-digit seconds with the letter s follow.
2h05
